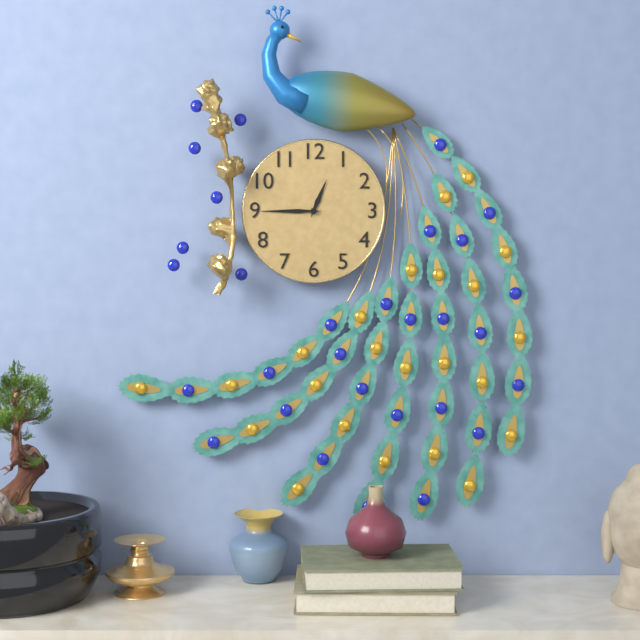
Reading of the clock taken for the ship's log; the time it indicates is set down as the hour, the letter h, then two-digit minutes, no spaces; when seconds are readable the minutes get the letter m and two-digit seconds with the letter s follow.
12h45
